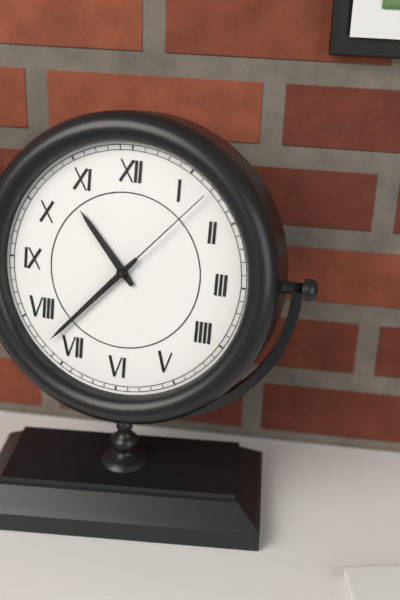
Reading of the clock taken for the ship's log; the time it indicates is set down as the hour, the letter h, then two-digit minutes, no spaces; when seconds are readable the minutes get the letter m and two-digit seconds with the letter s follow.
10h37m07s
